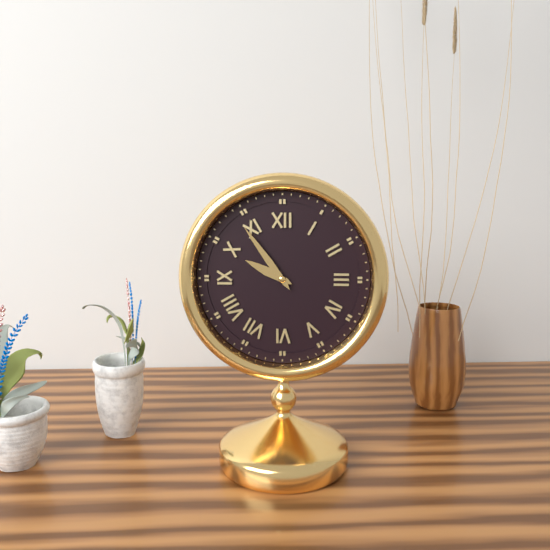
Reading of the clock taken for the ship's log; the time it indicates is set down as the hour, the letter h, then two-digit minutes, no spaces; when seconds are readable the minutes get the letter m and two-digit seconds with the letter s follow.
9h54
